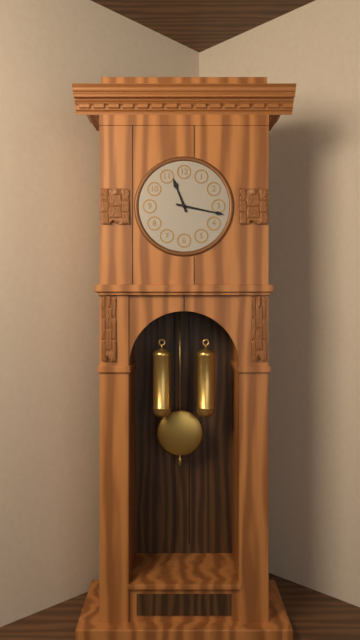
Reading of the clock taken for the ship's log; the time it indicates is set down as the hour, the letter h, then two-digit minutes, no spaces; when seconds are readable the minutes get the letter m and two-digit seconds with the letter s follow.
11h17
